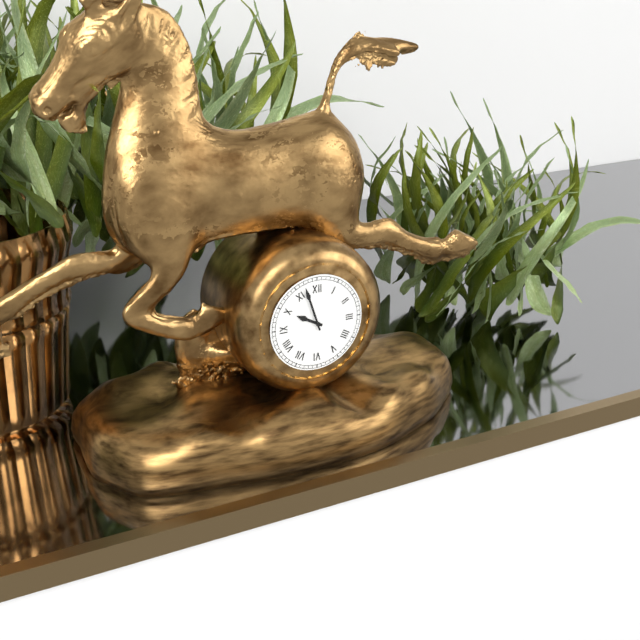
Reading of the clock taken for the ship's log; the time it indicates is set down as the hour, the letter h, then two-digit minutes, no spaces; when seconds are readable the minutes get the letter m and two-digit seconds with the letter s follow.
9h57
